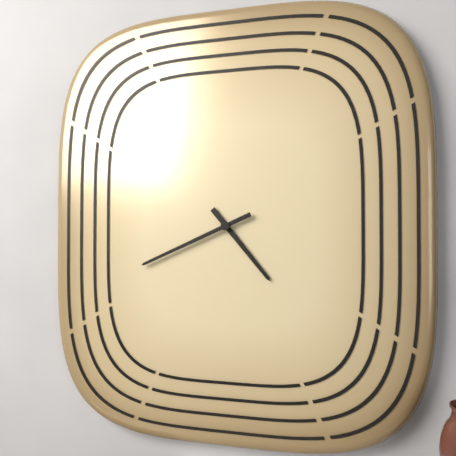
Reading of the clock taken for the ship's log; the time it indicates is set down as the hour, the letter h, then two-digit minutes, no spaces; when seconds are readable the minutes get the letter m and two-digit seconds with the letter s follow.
4h41
